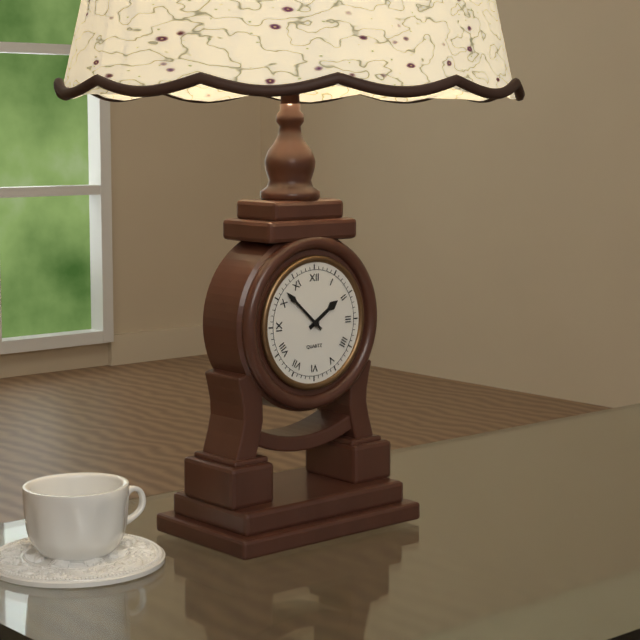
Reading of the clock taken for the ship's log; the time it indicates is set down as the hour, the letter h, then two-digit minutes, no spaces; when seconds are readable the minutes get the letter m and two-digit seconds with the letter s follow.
1h52
